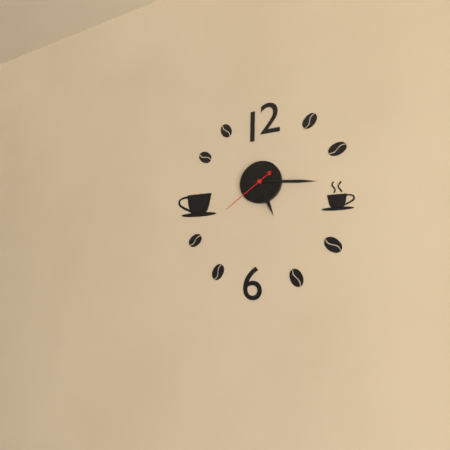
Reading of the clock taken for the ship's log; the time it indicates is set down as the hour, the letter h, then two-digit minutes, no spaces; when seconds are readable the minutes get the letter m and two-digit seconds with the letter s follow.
5h16m39s
